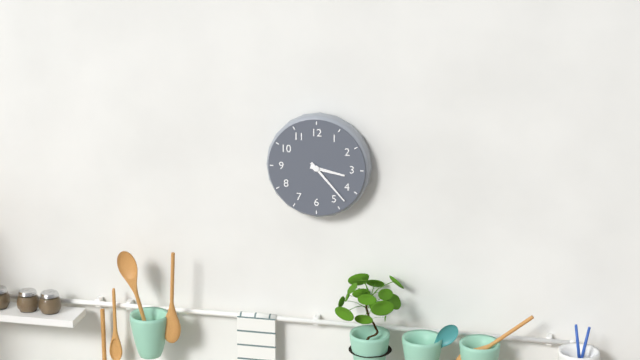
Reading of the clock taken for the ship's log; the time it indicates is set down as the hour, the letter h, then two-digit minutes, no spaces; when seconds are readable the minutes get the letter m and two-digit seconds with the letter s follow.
3h23
